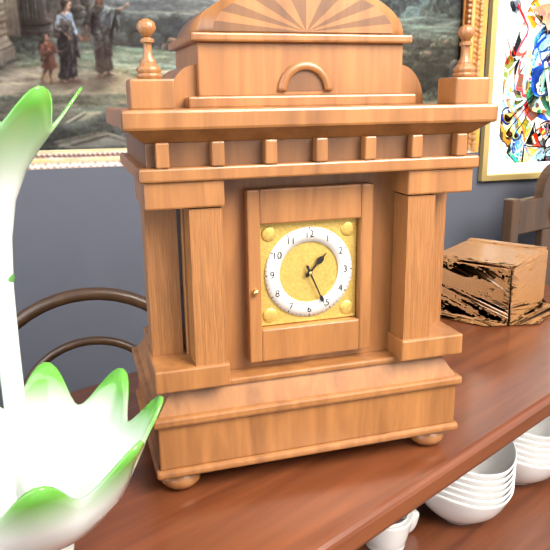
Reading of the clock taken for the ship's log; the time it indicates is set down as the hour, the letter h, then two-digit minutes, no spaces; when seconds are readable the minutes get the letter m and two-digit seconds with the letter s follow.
1h26
